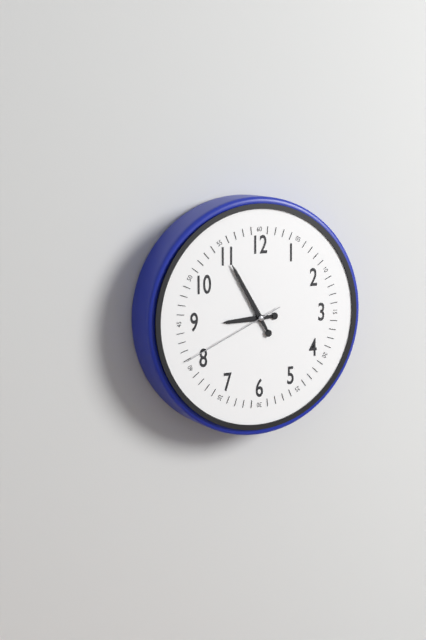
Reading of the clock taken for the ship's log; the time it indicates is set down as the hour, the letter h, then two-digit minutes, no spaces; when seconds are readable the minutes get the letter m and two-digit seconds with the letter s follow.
8h55m41s
